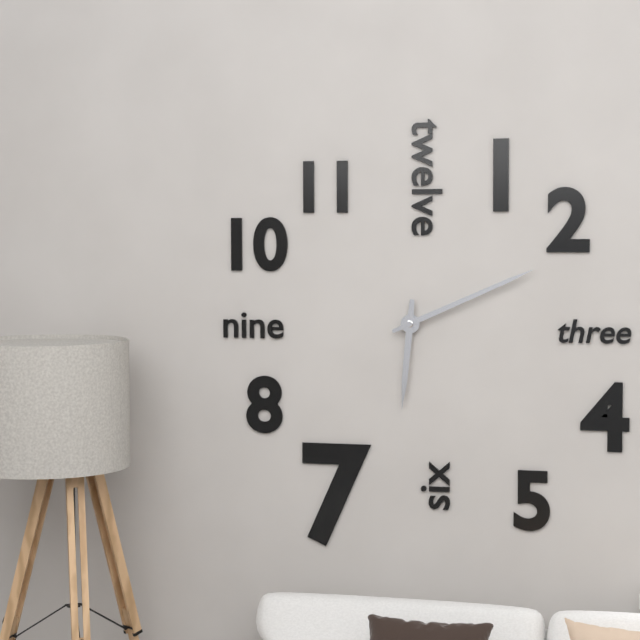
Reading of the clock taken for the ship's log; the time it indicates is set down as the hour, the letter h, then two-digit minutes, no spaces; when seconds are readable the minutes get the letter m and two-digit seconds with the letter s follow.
6h11
